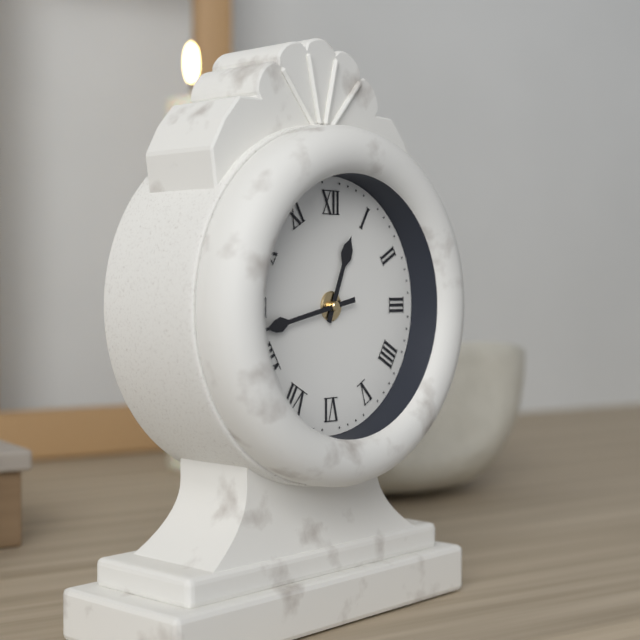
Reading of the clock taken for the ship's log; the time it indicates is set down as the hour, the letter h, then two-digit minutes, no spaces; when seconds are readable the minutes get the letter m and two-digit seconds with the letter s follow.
12h43
